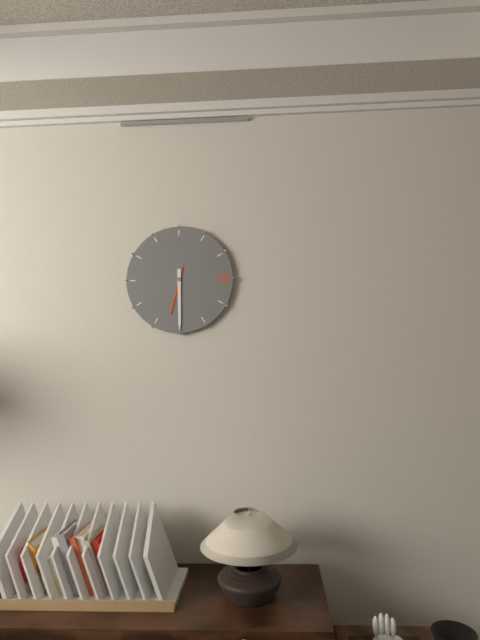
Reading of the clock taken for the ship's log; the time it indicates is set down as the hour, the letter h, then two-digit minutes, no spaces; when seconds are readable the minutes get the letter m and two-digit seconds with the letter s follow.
6h30
